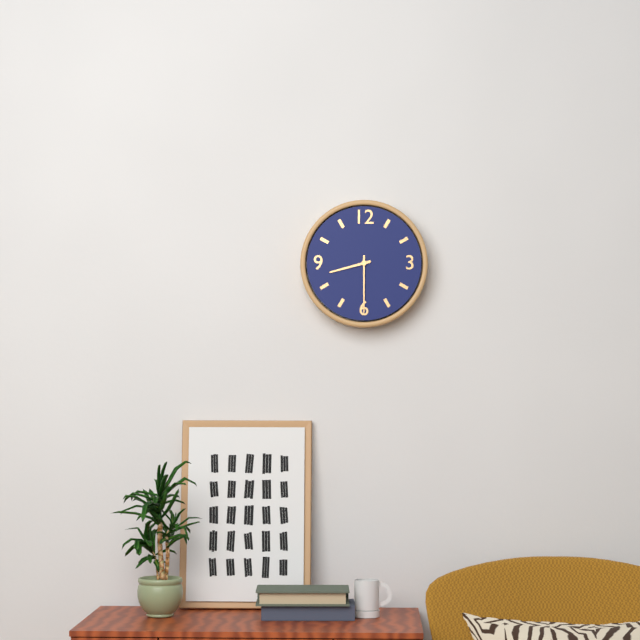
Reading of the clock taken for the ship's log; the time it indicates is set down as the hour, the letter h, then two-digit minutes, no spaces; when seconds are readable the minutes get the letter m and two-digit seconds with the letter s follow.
8h30
